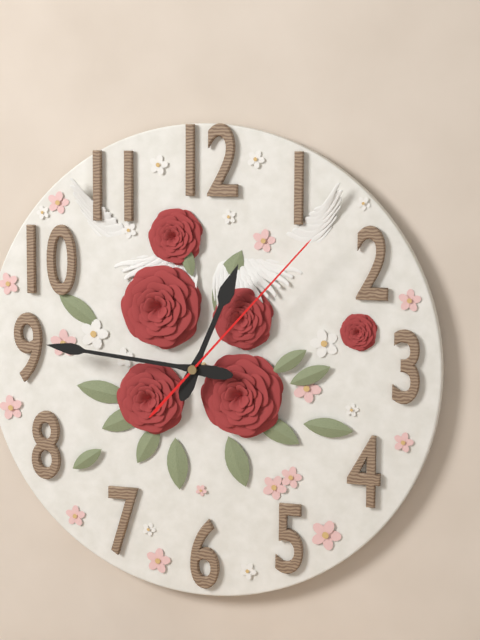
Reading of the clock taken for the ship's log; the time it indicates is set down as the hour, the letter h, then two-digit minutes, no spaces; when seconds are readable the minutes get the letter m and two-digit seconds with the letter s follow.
12h46m07s
